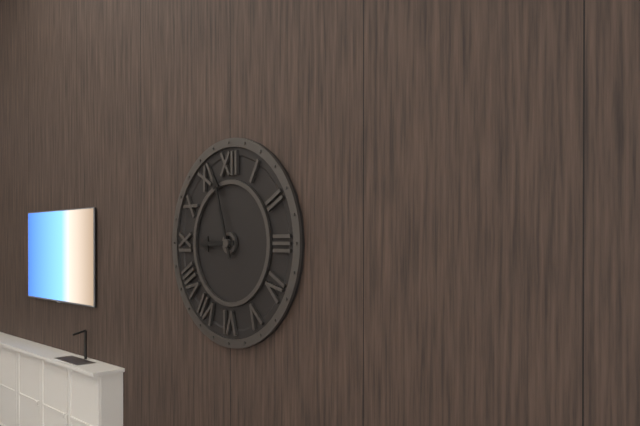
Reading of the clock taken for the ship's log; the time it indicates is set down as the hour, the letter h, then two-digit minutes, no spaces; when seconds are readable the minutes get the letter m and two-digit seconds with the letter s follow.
8h57
